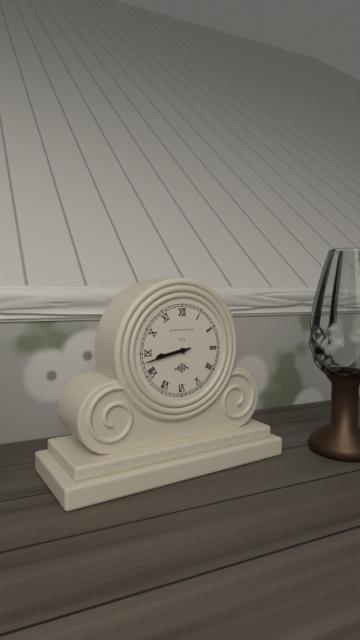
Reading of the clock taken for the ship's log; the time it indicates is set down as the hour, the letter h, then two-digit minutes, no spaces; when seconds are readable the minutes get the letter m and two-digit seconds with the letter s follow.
8h43
